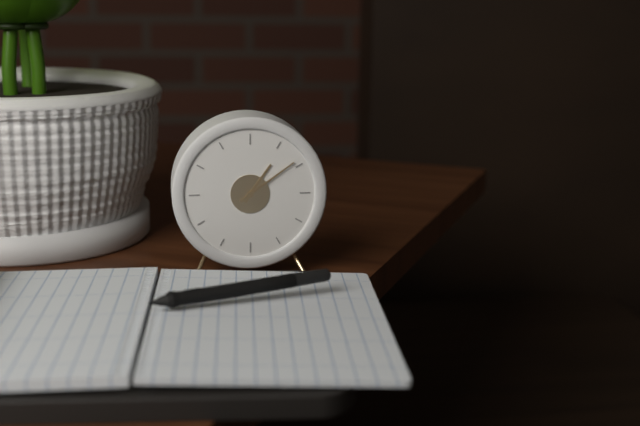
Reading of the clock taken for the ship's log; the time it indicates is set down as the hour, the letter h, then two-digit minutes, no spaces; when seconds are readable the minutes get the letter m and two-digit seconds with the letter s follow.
1h09
